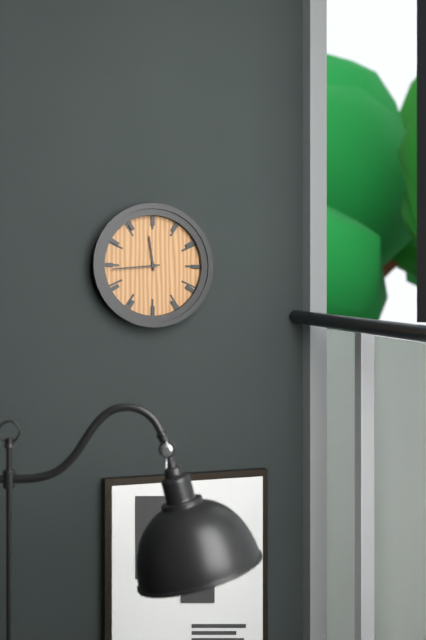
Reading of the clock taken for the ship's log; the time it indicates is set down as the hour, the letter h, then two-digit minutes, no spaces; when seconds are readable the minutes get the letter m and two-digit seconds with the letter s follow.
11h44
